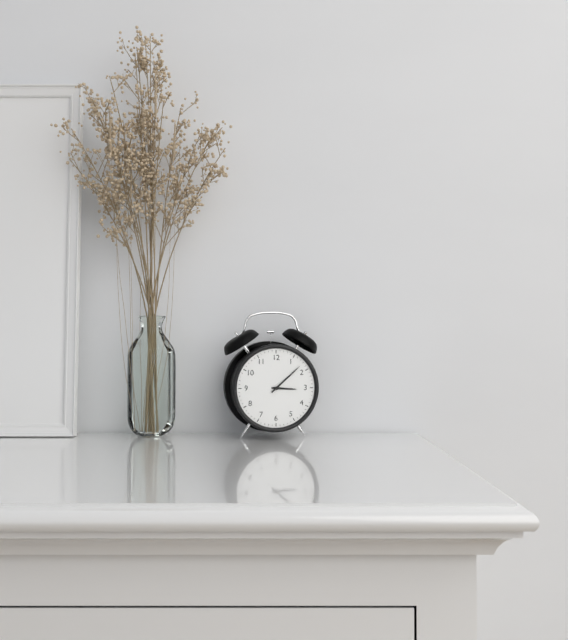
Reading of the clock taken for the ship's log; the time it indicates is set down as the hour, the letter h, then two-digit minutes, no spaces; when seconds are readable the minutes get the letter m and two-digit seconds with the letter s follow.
3h08
